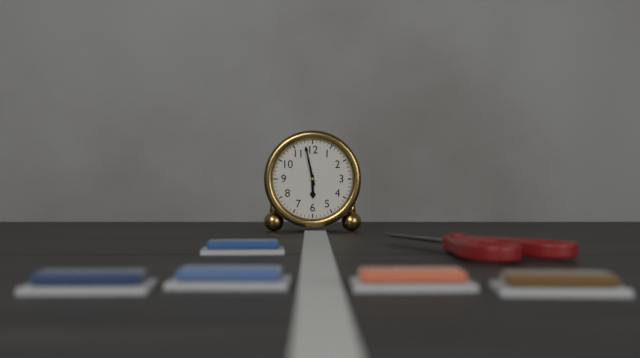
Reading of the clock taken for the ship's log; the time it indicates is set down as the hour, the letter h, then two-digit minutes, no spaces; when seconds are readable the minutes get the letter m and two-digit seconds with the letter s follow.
5h58
